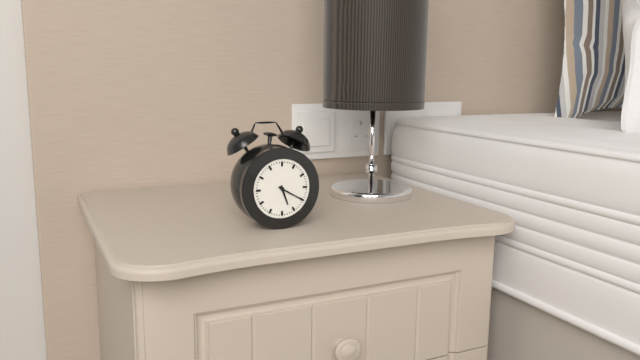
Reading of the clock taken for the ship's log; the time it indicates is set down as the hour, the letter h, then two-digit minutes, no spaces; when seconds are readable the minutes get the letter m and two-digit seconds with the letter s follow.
5h20
